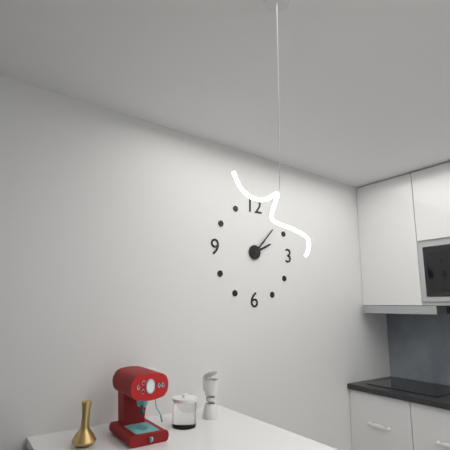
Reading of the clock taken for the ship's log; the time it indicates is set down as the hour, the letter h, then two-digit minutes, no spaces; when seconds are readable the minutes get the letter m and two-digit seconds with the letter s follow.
2h07
